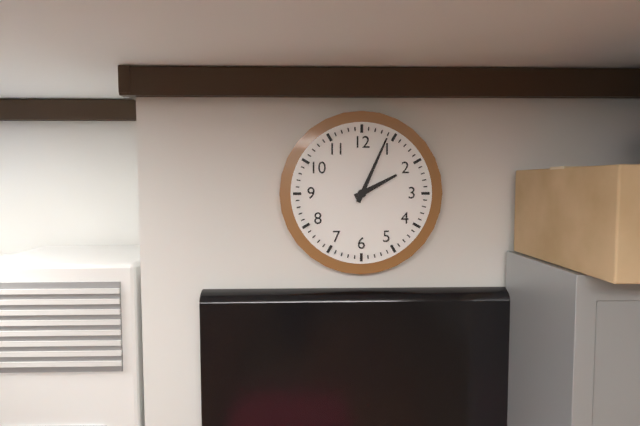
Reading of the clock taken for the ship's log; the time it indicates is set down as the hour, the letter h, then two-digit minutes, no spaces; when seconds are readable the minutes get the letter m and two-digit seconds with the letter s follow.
2h04
